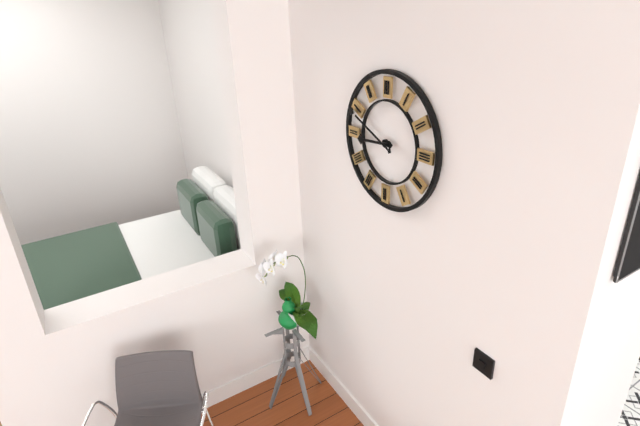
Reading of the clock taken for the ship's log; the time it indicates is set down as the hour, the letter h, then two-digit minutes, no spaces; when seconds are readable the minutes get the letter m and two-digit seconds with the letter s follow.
8h49
